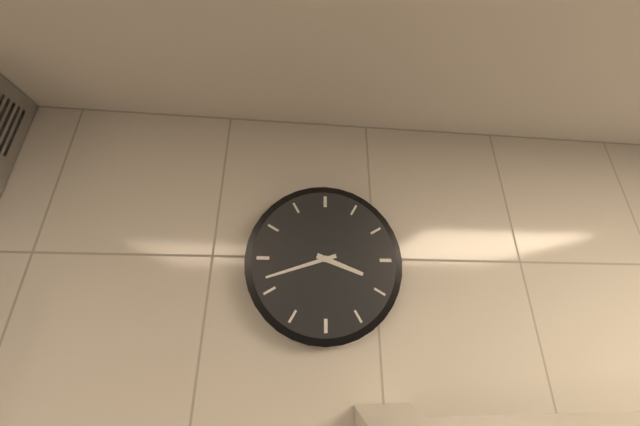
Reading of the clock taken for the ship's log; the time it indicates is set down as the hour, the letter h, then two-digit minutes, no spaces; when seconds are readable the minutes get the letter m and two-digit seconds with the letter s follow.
3h42
